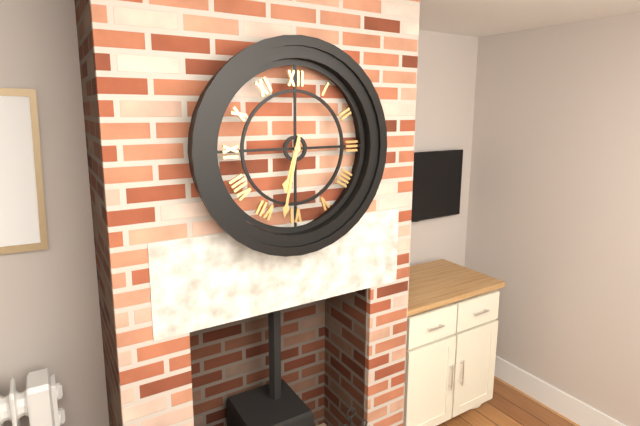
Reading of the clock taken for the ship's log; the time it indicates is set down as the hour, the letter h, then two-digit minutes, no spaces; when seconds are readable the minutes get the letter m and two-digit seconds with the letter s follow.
6h32
